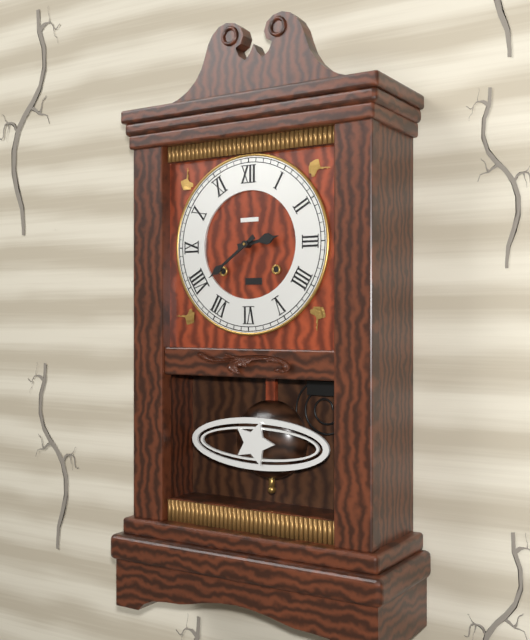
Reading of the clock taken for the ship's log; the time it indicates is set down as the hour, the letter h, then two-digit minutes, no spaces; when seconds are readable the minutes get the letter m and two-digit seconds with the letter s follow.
2h39
